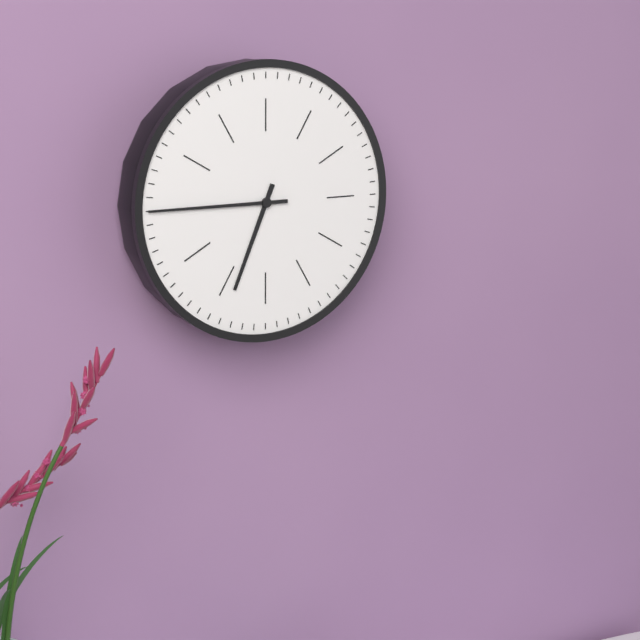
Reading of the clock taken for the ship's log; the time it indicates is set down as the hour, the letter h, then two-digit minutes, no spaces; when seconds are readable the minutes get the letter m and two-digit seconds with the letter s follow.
6h45
